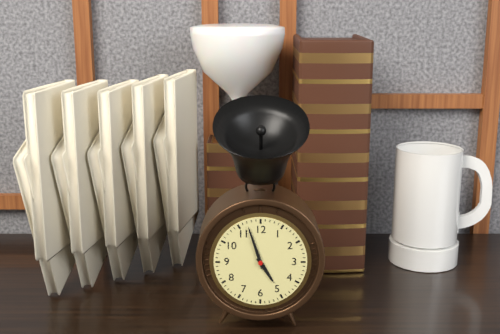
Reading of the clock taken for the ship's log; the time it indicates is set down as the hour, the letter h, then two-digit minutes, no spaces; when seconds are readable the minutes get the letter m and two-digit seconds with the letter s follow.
4h57
